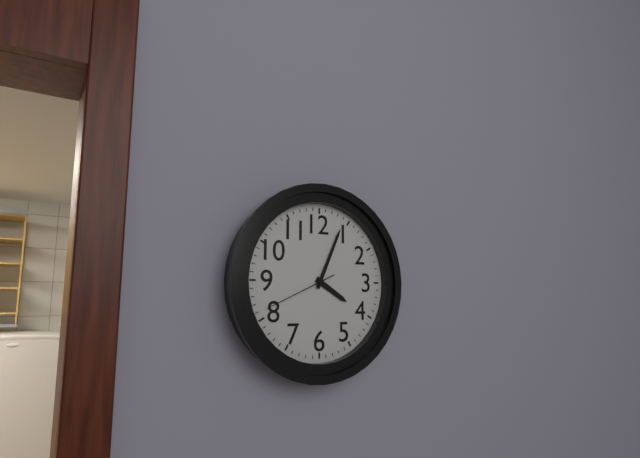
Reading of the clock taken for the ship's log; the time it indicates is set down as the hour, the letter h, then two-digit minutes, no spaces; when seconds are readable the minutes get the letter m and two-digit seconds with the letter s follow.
4h04m41s
